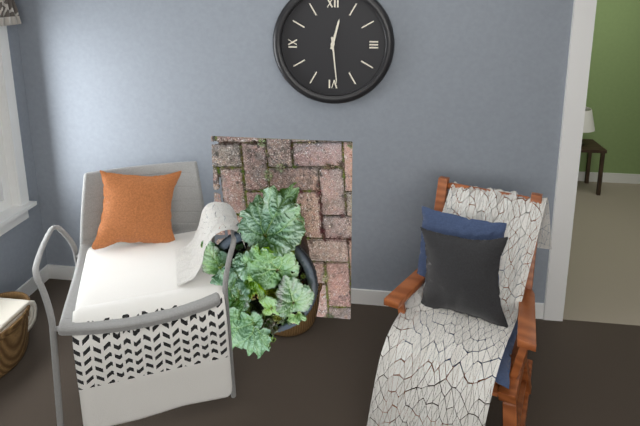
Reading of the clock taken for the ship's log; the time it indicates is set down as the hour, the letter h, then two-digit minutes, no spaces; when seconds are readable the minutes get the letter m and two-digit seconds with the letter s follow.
12h29
